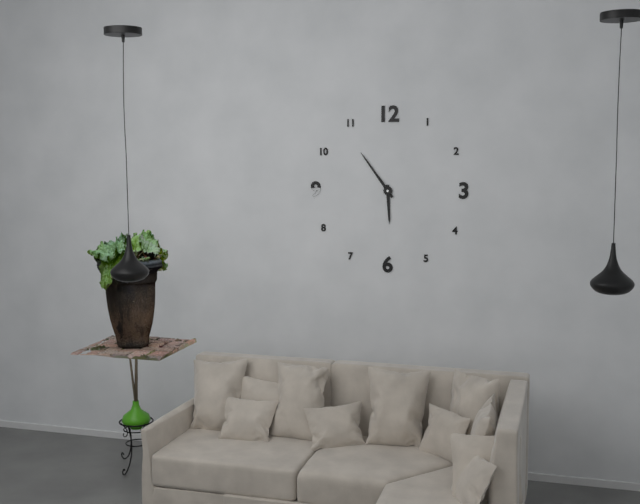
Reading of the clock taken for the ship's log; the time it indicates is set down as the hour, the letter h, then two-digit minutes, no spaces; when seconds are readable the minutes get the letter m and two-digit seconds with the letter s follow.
5h54
